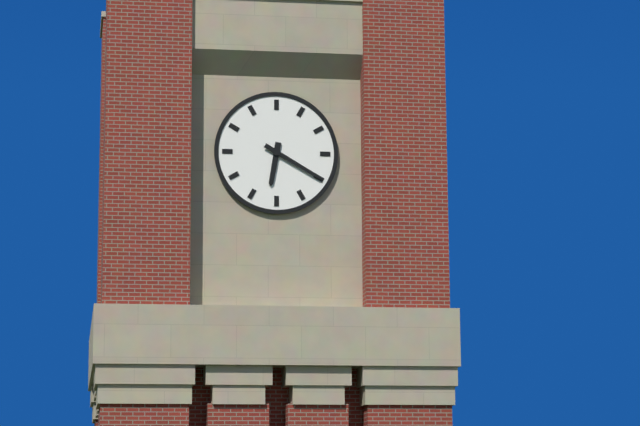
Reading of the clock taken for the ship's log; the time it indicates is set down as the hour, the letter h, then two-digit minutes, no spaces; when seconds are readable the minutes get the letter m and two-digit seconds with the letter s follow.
6h20
